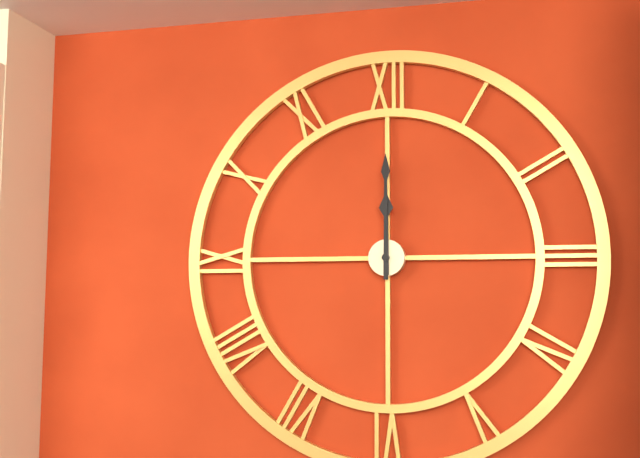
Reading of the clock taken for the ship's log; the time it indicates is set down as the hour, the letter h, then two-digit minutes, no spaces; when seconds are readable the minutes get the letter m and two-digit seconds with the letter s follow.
12h00
